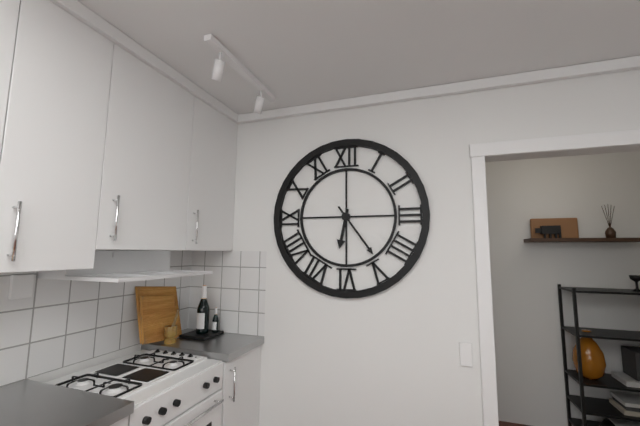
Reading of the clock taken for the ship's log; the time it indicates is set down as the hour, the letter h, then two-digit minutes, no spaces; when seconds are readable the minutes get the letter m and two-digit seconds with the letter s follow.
6h24
